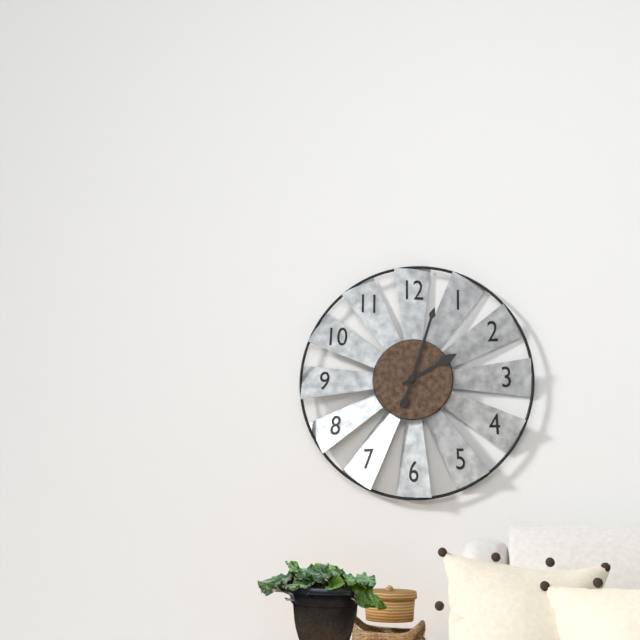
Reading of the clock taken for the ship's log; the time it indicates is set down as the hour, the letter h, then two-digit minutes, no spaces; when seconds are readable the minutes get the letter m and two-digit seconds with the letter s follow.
2h03
